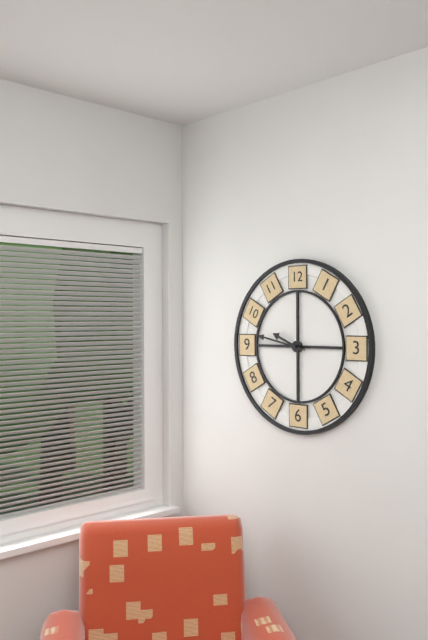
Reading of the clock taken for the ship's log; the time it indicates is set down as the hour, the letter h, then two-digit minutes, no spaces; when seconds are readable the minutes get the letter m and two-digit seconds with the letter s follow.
9h47
